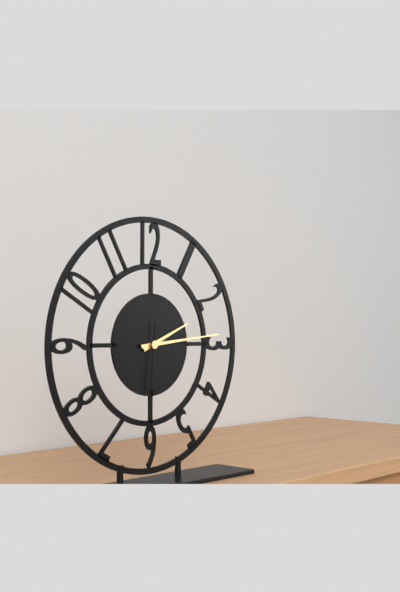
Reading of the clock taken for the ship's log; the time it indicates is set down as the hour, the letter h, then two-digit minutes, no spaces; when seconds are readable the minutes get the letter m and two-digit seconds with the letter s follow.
2h14m31s
